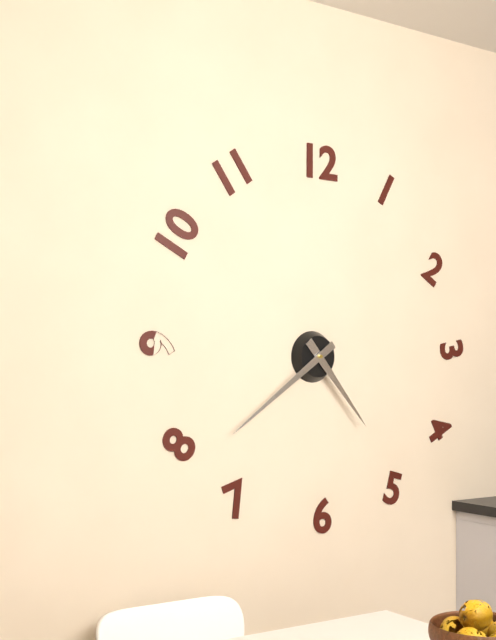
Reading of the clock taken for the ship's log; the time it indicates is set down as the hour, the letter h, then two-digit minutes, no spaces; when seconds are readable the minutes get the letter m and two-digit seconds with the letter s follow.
4h39
